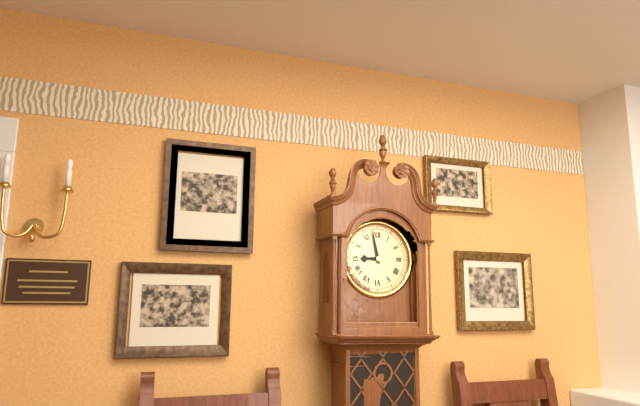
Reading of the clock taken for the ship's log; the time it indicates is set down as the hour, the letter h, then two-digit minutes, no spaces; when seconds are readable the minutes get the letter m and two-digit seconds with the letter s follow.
8h58
